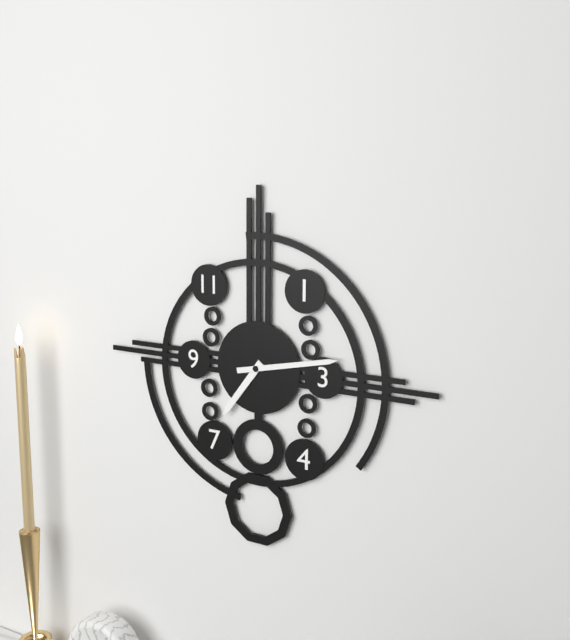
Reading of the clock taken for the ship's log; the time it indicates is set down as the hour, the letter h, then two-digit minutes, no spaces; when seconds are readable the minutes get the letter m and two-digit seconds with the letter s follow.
7h13
